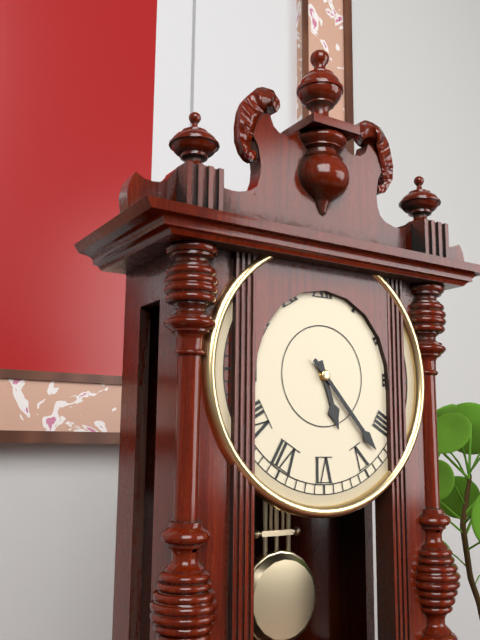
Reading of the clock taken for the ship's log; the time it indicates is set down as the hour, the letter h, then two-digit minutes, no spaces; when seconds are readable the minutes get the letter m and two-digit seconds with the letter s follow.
5h23
